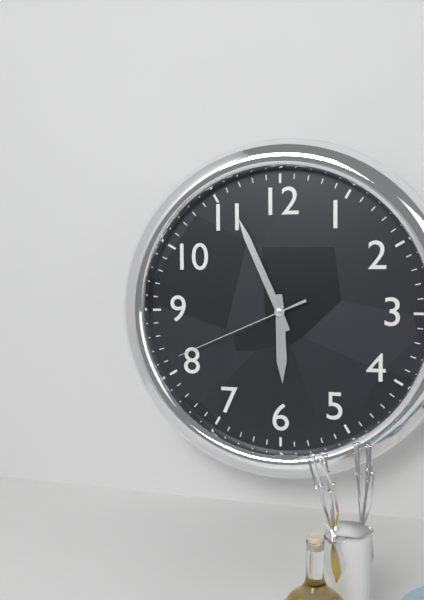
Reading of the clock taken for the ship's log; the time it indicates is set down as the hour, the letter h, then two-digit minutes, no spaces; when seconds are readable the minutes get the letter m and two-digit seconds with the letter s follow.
5h56m41s
